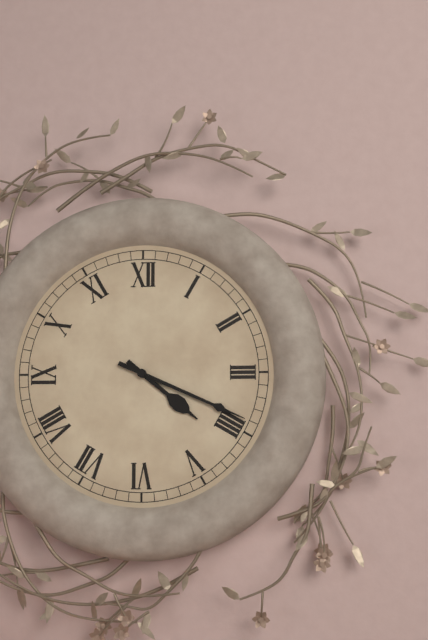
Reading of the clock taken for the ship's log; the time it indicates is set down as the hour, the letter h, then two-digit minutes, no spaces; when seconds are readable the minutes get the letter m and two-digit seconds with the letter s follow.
4h19
